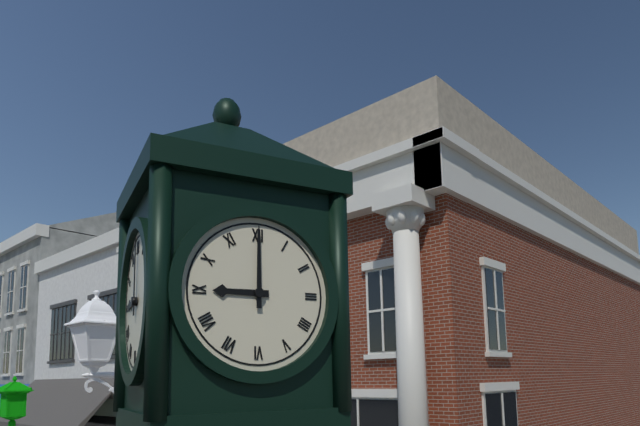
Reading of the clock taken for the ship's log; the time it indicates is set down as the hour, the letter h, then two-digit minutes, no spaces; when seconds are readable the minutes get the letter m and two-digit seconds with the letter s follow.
9h00
